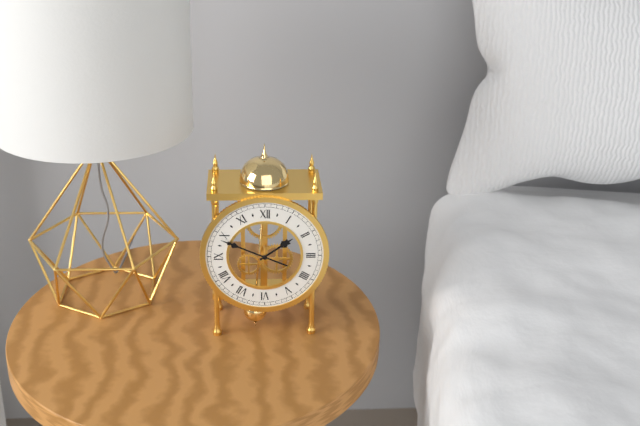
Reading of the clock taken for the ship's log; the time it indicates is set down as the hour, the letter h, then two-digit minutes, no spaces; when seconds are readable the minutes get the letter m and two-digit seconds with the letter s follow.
1h49
